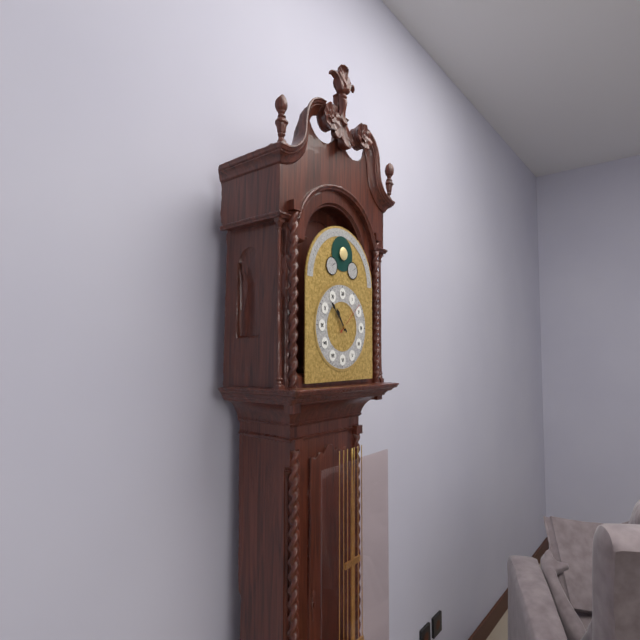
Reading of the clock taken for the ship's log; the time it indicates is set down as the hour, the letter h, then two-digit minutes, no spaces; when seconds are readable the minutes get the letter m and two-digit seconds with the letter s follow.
10h53
